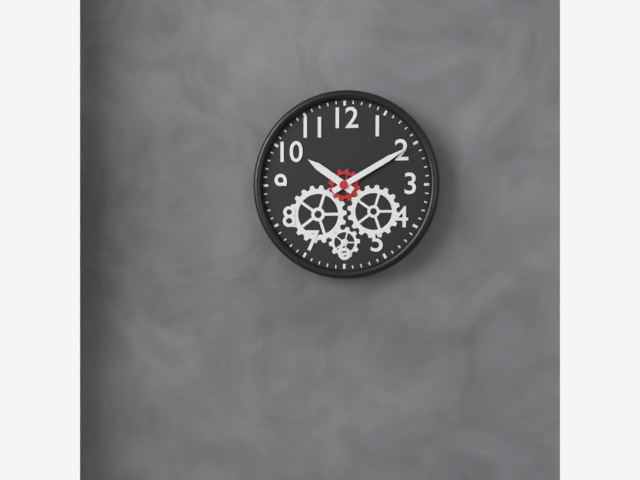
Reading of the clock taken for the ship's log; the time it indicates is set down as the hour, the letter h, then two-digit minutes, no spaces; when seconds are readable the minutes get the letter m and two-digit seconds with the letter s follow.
10h10
